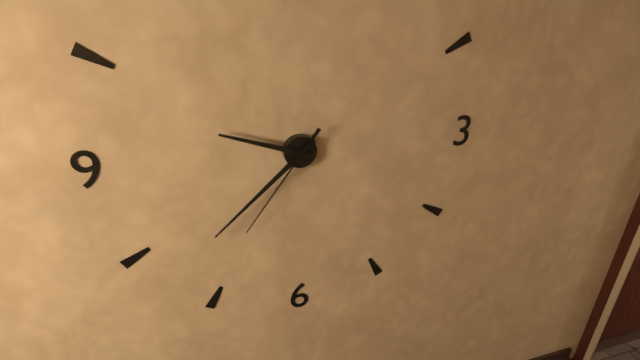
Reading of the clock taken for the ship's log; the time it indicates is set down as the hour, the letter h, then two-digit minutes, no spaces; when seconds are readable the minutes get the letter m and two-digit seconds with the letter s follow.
9h38m36s
